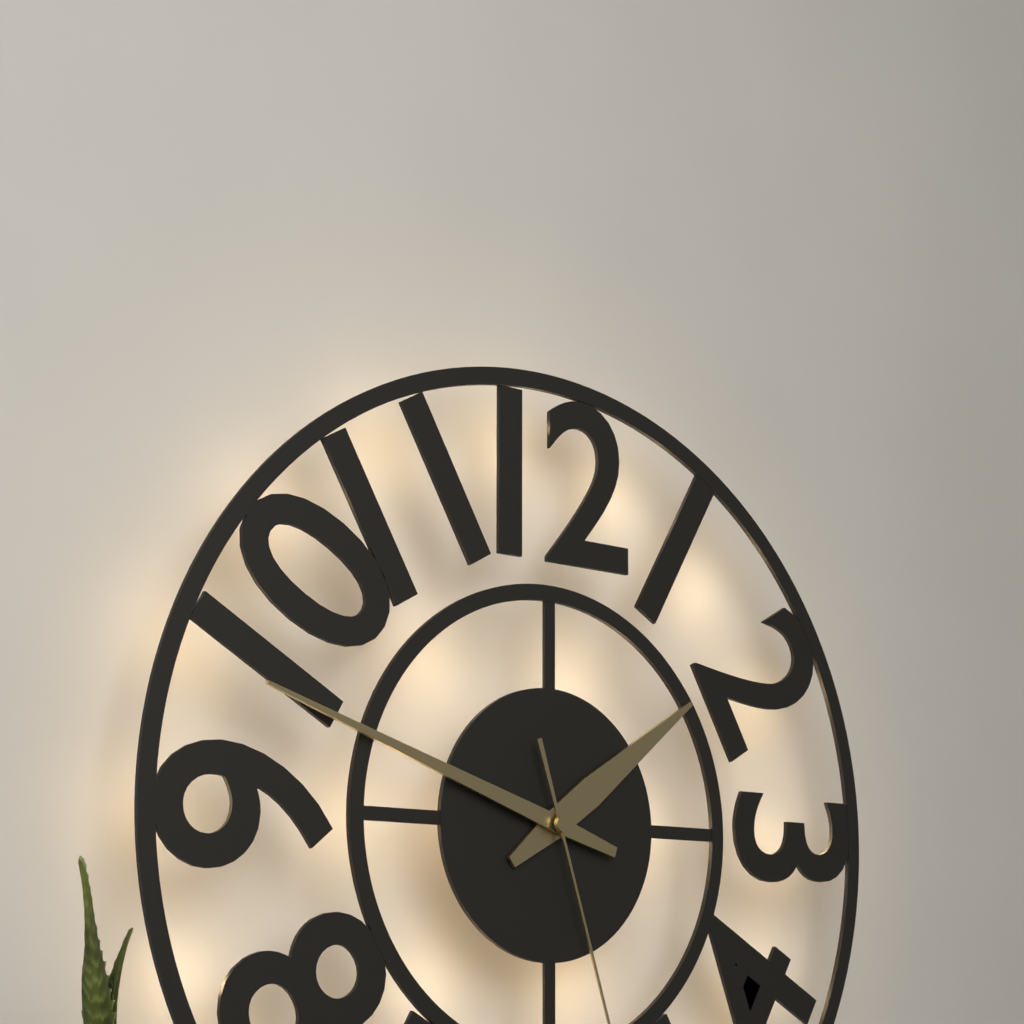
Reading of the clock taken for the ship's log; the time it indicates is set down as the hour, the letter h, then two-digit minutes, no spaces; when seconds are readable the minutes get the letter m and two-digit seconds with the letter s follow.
1h48
